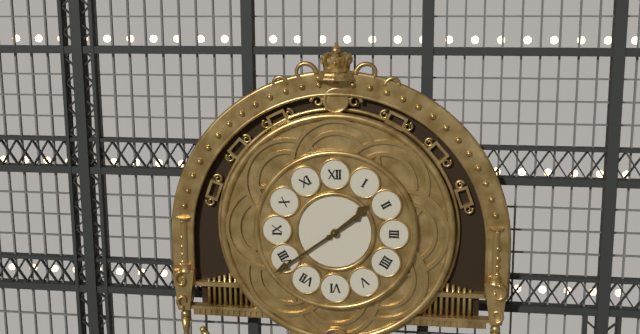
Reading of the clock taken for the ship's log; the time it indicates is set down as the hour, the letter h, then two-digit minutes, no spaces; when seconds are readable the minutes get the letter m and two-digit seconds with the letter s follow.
1h39
